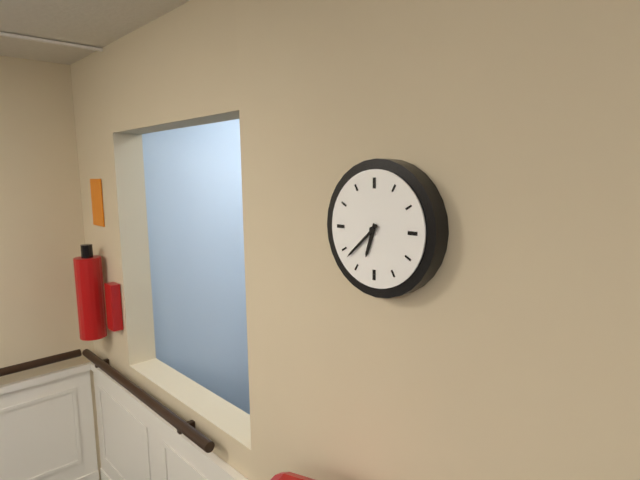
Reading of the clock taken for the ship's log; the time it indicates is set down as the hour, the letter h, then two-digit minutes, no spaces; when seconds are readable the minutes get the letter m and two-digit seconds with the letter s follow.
6h38
